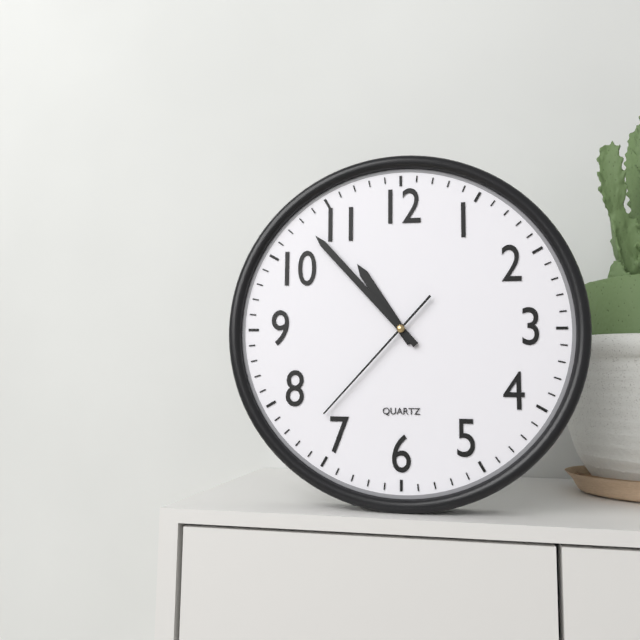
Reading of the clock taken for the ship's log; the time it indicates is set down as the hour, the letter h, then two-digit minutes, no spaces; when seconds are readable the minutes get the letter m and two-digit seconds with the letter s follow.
10h53m37s
